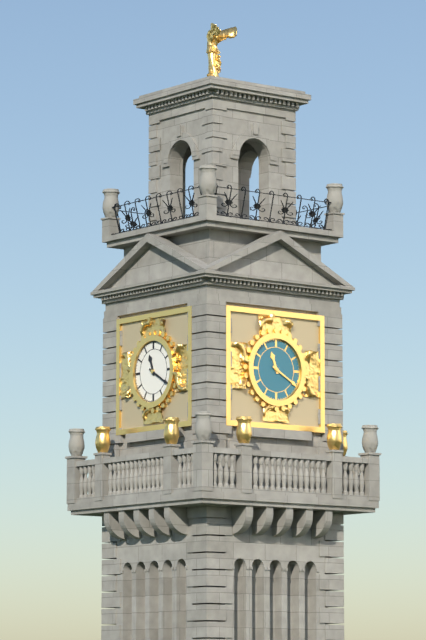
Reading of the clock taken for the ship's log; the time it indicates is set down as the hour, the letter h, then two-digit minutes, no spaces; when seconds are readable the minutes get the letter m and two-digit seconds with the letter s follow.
11h20
